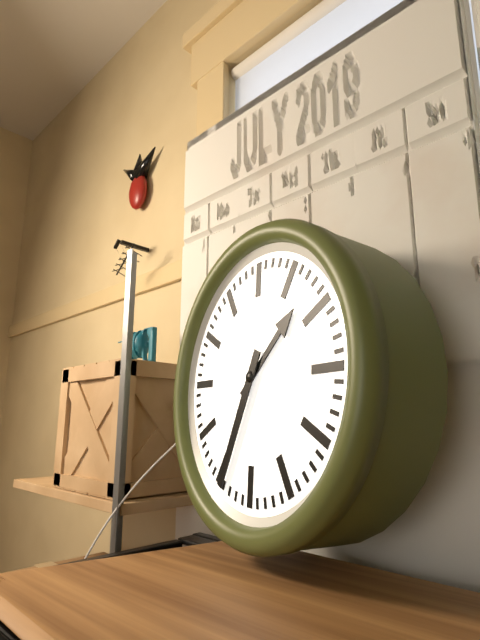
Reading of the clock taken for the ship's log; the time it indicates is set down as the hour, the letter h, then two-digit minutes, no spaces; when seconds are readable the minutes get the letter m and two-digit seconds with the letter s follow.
1h34
